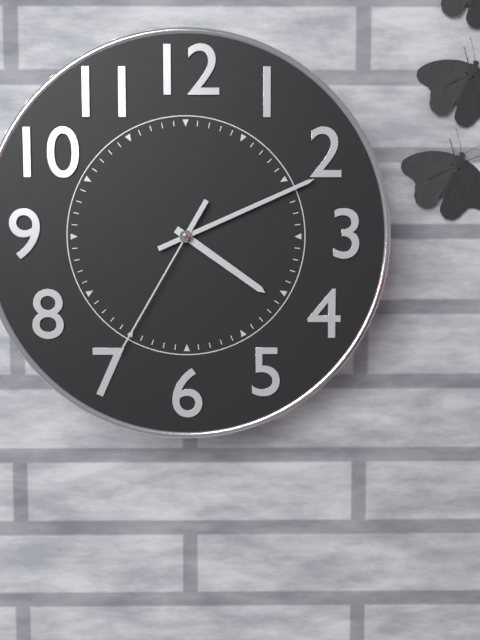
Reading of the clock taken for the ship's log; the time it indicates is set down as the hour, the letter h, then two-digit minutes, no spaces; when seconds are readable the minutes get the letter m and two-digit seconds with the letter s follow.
4h11m35s
